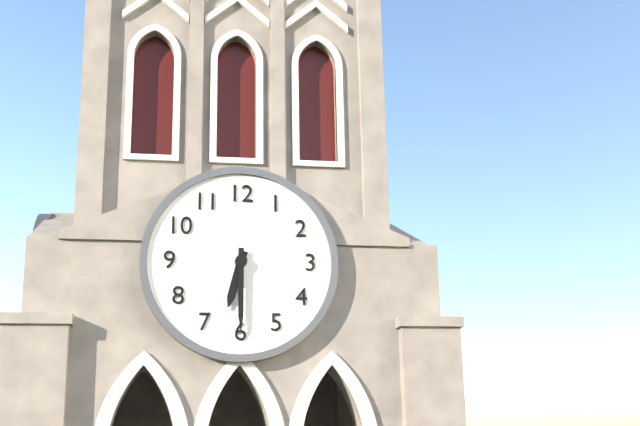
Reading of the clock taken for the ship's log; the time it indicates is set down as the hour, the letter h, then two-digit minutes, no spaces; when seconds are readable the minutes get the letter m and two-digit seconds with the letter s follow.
6h30
